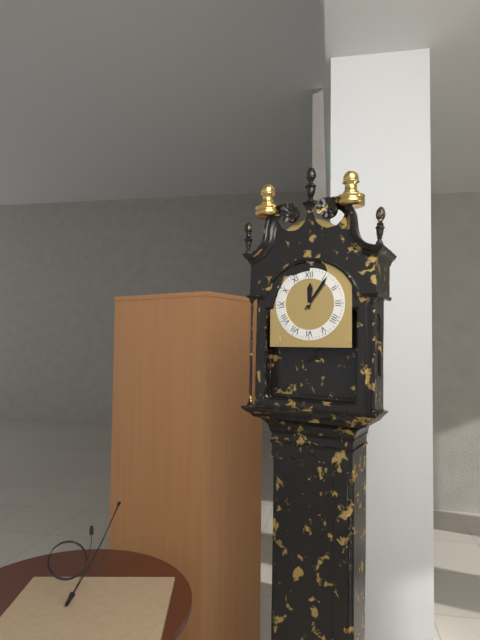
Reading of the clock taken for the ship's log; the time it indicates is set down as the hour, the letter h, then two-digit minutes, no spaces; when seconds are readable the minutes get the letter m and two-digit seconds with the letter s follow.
12h06
